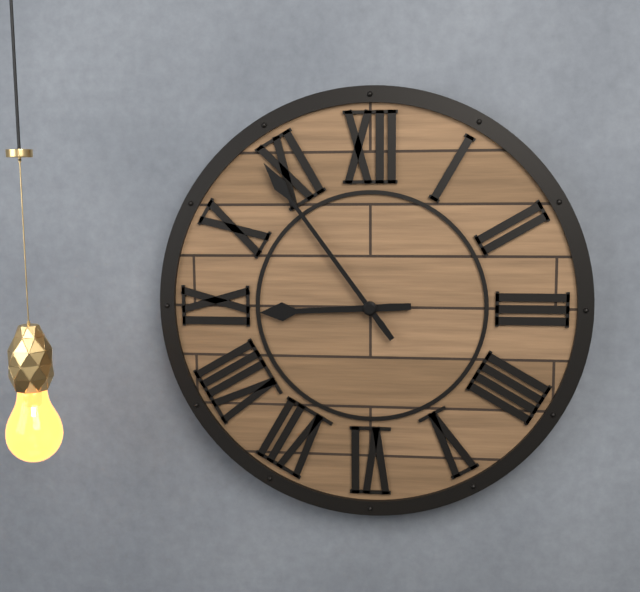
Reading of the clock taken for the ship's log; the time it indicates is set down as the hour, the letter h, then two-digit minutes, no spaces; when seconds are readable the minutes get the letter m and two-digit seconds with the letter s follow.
8h54
